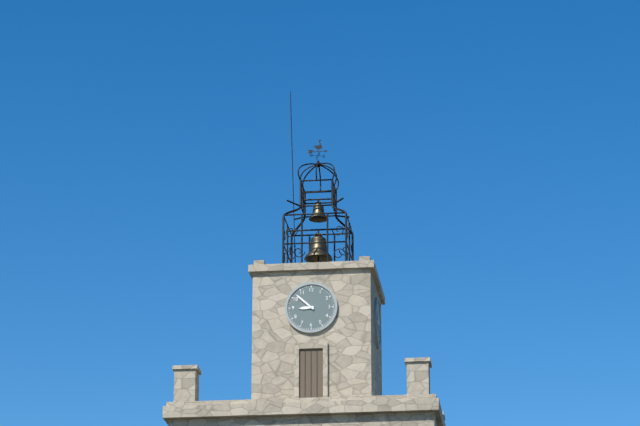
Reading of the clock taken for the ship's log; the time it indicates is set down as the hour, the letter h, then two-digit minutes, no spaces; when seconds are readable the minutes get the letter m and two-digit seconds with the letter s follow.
8h52
